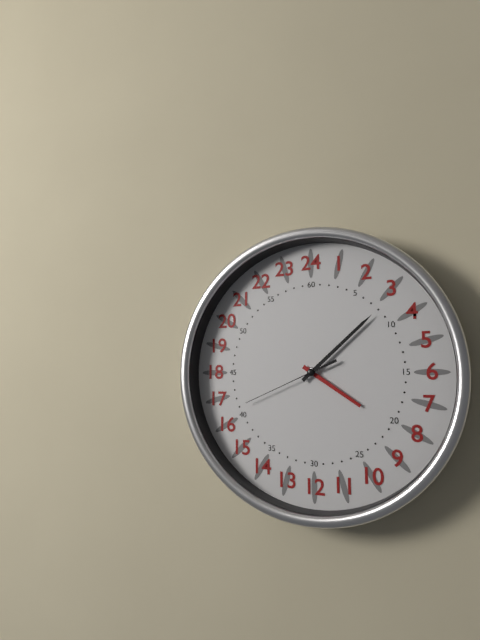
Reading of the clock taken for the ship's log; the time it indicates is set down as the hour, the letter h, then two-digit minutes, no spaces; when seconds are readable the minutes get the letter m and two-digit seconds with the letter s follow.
4h08m41s
